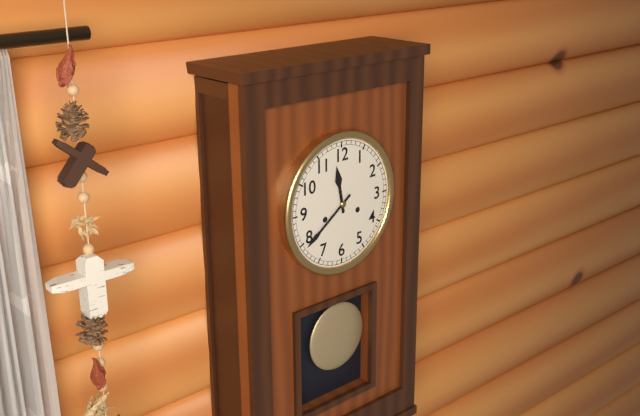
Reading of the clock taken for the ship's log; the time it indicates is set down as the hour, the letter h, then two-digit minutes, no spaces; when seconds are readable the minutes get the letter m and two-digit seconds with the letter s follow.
11h39
